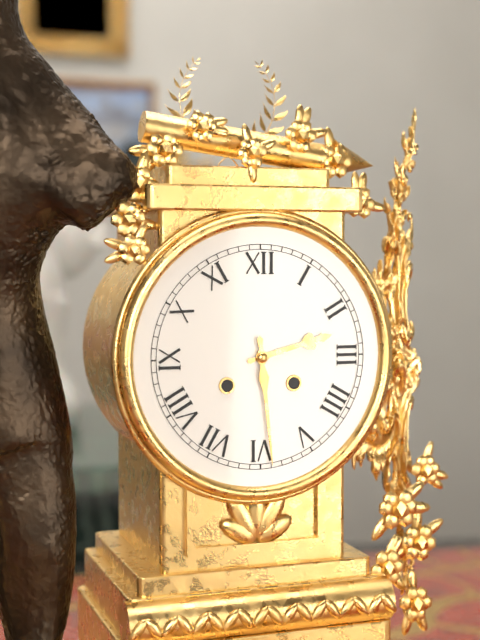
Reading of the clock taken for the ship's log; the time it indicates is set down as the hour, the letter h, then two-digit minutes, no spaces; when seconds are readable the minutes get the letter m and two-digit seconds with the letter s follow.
2h29
